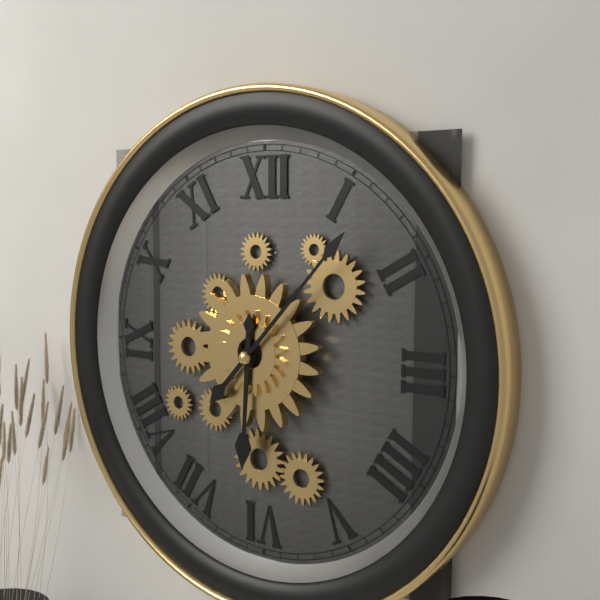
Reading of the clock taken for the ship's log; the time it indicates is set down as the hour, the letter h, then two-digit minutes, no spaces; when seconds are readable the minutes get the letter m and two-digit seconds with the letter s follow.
6h07
